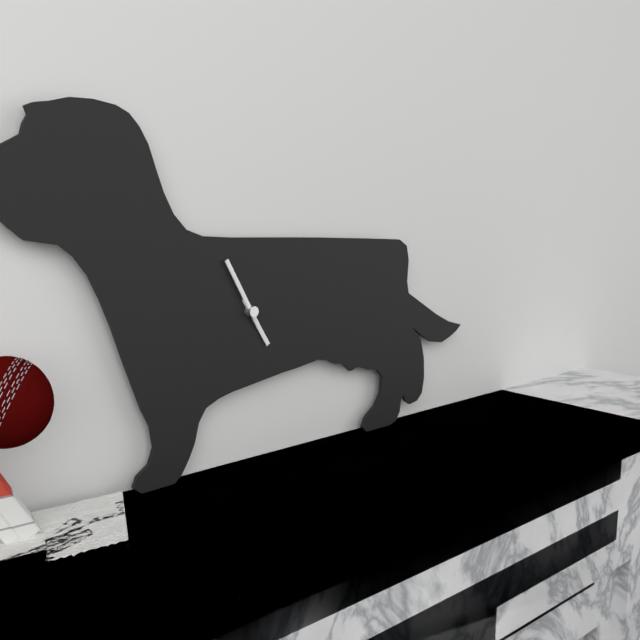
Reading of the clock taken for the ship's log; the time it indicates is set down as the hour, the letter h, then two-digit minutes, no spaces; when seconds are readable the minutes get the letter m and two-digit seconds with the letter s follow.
4h55
